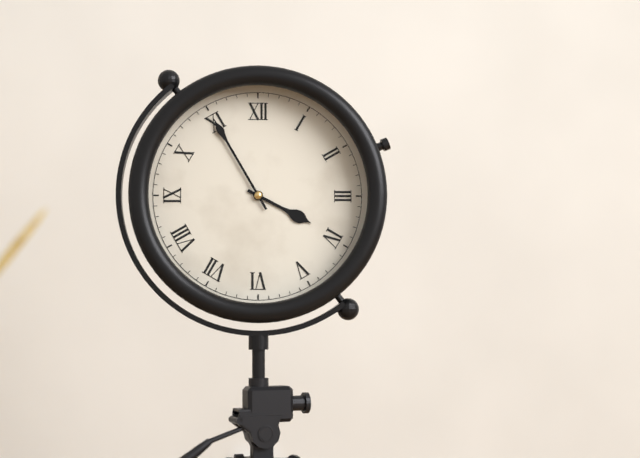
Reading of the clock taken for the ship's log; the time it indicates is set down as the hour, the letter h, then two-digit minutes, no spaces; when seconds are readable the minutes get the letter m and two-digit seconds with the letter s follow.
3h55
